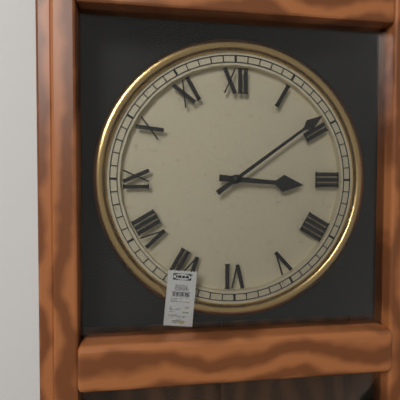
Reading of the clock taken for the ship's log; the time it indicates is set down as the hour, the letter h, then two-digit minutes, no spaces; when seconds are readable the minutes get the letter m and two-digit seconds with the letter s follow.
3h09
